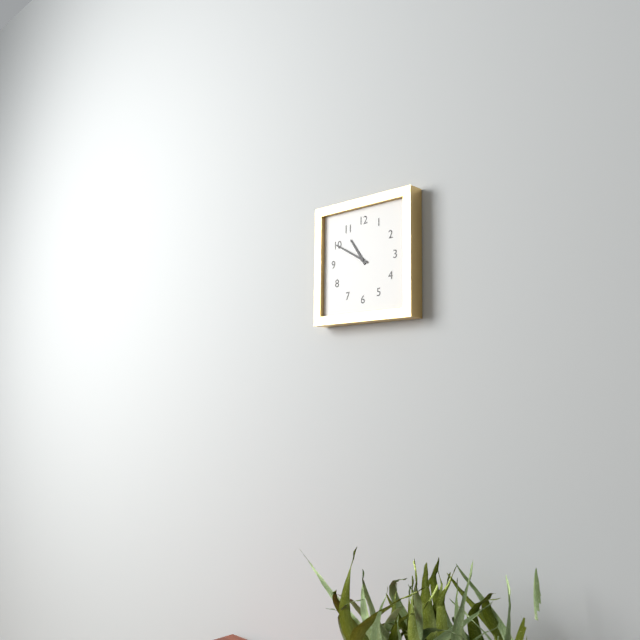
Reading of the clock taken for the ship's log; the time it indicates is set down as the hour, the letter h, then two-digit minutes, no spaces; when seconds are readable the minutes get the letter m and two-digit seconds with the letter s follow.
10h50
